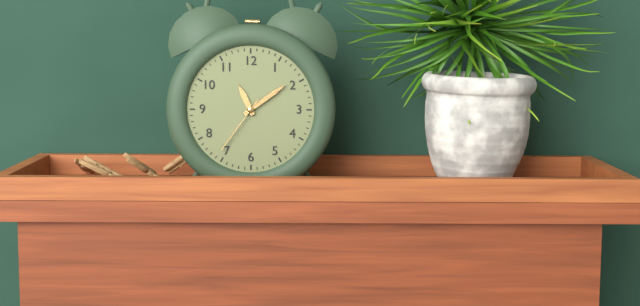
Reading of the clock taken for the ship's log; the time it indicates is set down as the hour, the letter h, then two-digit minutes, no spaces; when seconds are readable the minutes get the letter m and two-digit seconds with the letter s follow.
11h09m36s
